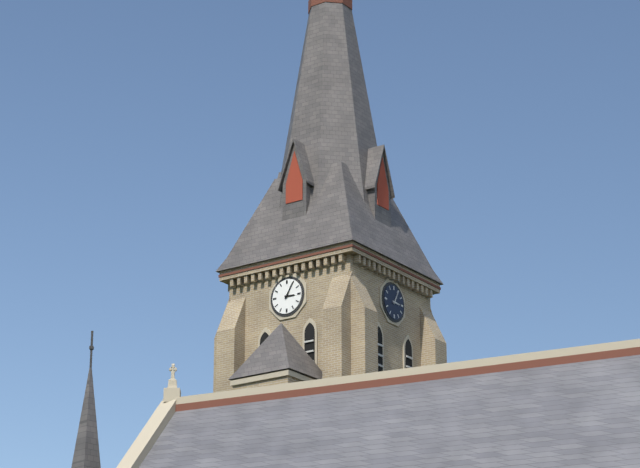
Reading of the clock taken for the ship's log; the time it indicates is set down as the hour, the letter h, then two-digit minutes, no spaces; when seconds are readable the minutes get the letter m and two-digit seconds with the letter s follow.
3h05
